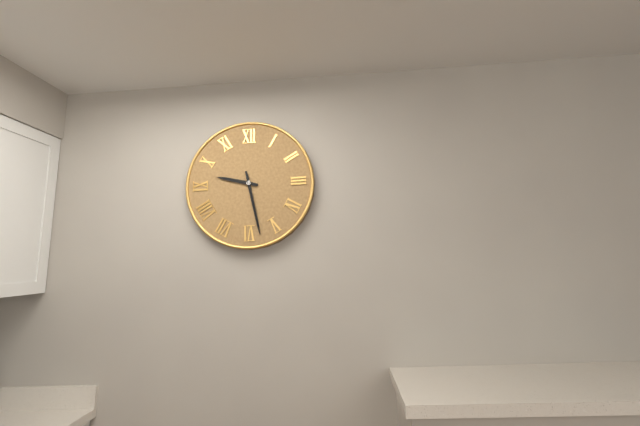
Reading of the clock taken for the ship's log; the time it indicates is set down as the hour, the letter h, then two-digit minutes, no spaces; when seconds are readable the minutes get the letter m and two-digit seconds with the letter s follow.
9h28
